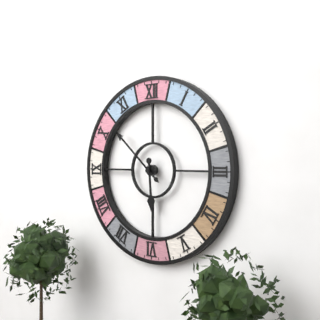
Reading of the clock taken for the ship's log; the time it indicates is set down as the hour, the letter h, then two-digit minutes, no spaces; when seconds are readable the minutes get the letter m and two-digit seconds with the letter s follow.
5h52
